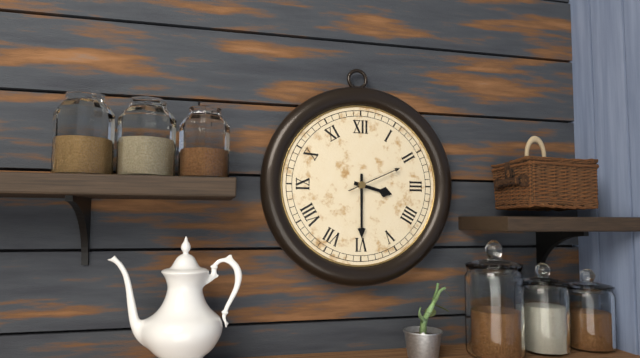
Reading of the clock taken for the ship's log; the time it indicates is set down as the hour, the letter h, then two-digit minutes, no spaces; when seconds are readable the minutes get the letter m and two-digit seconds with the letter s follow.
3h30m11s
